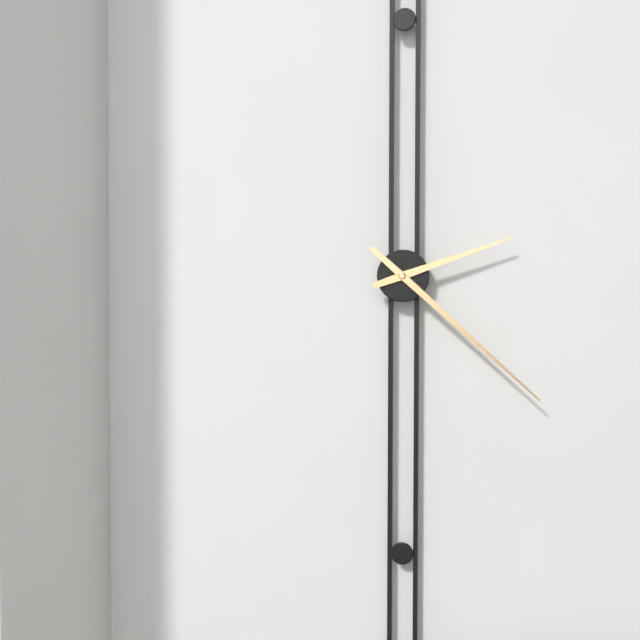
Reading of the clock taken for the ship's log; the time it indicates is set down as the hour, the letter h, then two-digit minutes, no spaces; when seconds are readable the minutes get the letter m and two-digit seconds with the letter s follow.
2h22
